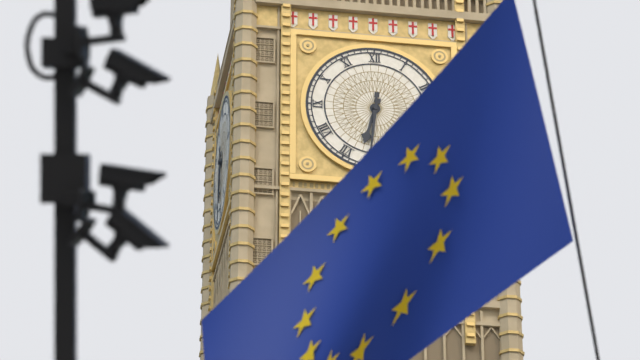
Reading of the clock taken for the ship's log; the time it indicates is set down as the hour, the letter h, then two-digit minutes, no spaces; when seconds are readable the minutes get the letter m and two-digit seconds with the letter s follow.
6h31
